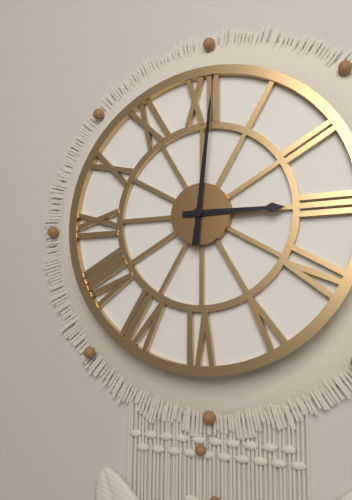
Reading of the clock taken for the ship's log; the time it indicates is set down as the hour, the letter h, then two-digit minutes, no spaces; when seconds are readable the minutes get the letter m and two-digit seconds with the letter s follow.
3h01
